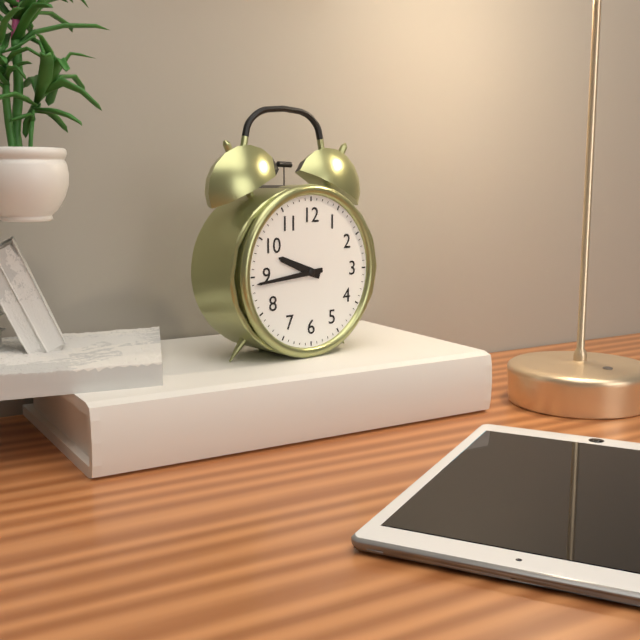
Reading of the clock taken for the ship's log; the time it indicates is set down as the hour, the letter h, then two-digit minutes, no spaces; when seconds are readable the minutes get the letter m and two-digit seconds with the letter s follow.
9h44
